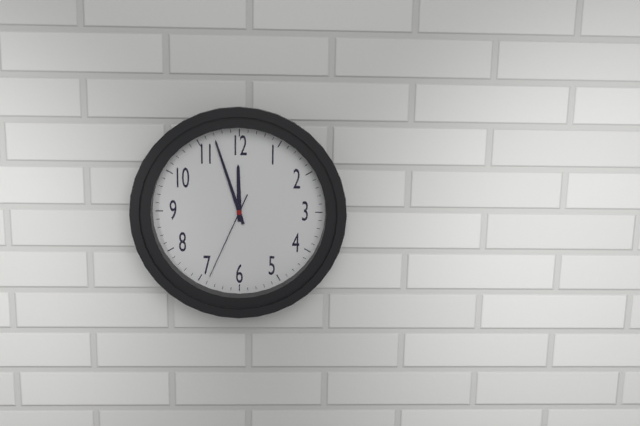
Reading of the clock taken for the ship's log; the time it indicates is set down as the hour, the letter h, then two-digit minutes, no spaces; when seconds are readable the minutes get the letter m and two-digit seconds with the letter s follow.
11h57m34s
